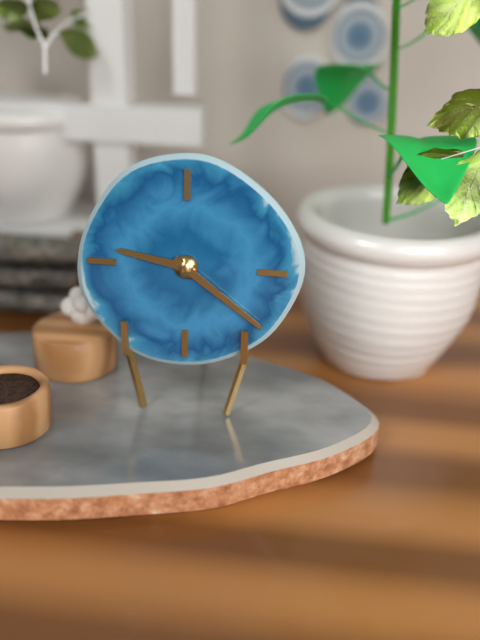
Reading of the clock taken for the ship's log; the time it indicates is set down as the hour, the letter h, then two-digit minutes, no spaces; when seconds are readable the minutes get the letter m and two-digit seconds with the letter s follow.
9h21
